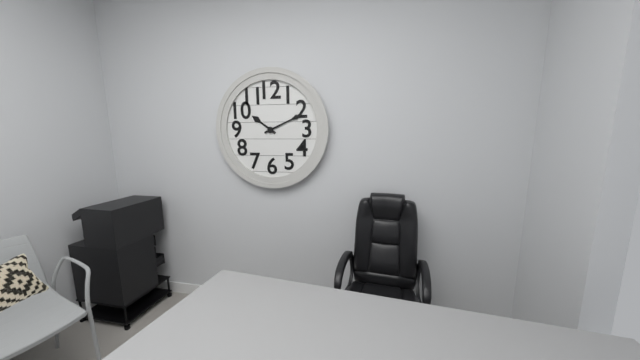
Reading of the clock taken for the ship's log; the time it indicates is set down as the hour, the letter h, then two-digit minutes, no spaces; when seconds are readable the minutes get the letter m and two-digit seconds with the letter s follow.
10h11
